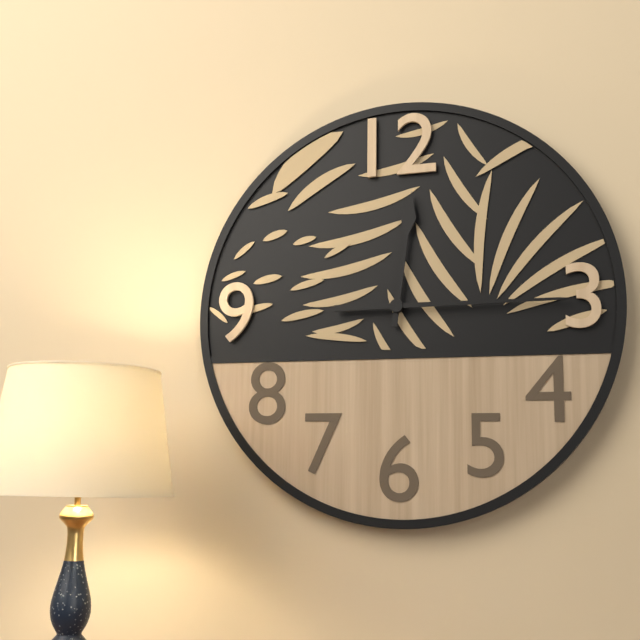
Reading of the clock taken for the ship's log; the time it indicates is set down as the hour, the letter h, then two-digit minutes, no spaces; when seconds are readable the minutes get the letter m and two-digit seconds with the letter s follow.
12h15
